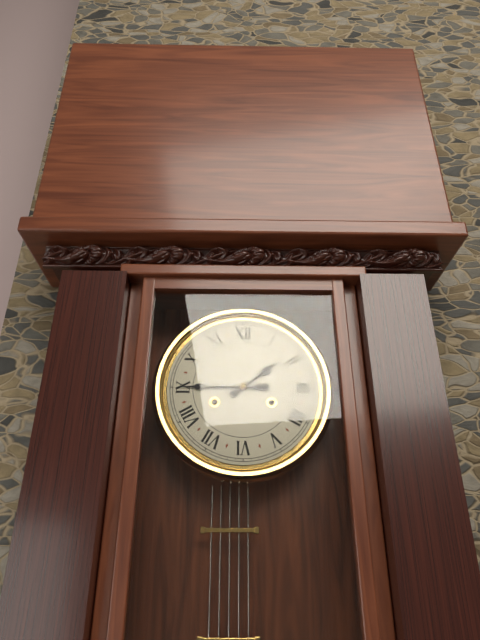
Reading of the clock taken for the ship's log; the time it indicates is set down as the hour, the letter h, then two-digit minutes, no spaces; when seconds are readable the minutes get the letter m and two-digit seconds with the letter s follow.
1h45
